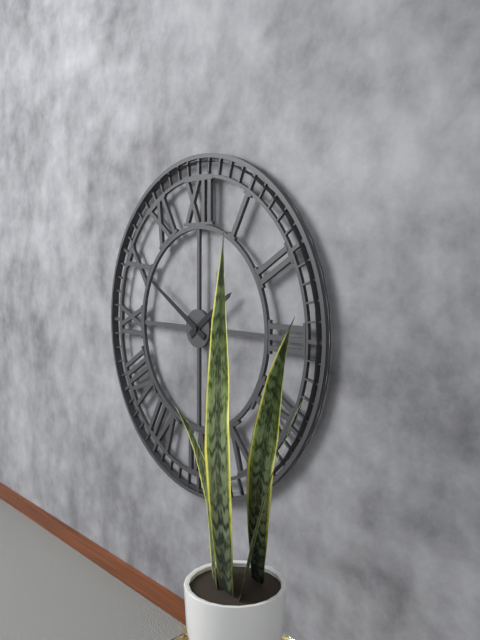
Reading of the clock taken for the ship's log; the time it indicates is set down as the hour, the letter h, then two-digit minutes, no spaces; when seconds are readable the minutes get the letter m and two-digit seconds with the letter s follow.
1h50
